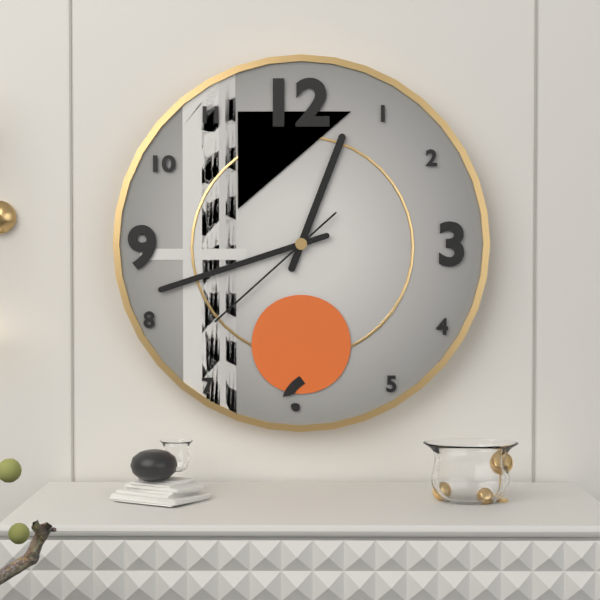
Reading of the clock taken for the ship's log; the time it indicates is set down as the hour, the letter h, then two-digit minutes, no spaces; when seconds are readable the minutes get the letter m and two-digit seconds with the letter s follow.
12h42m38s
